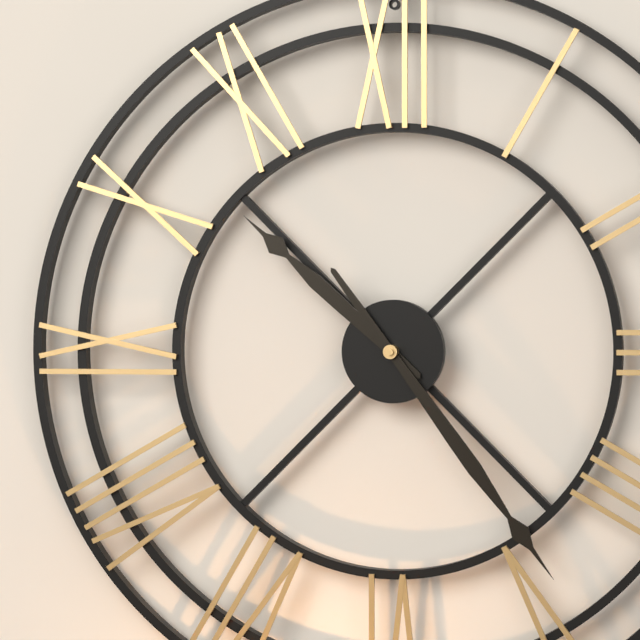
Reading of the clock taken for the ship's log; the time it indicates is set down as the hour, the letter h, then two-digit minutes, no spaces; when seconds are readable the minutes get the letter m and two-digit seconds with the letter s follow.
10h24
